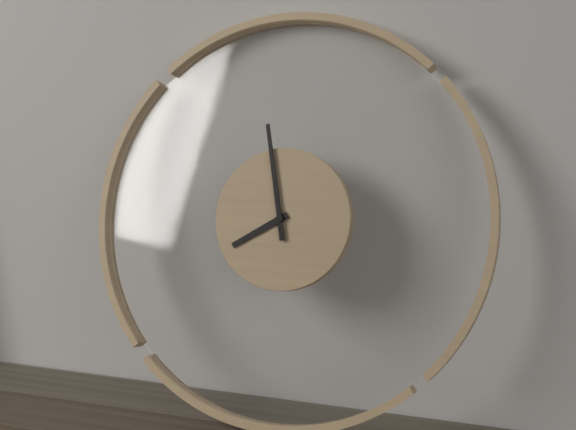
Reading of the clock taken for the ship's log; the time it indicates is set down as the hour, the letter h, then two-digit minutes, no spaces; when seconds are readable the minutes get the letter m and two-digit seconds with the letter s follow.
7h58
